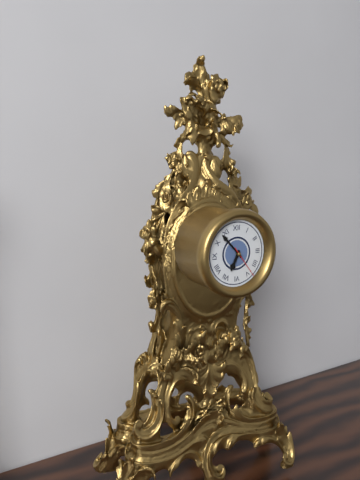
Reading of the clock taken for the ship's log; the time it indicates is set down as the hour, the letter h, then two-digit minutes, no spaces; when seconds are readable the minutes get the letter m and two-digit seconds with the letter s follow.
6h53
